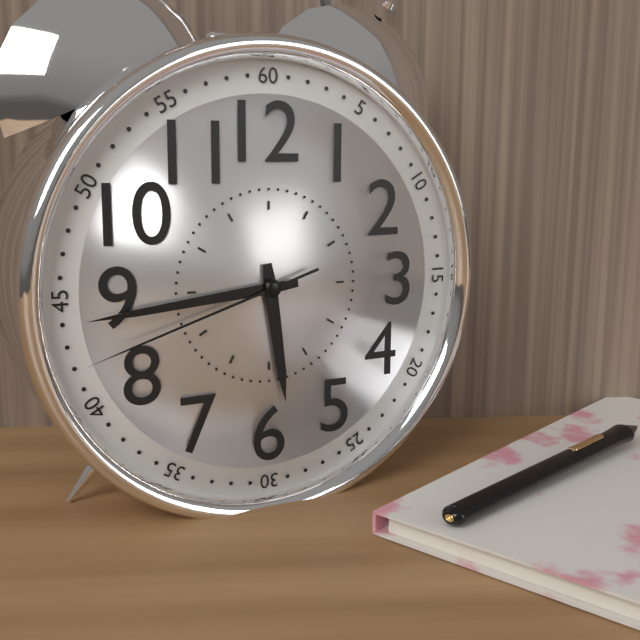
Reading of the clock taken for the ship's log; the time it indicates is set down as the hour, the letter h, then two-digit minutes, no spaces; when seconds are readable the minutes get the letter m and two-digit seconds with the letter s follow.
5h44m42s
